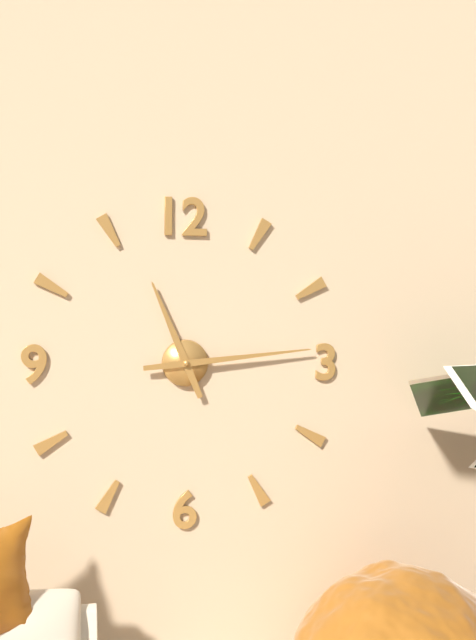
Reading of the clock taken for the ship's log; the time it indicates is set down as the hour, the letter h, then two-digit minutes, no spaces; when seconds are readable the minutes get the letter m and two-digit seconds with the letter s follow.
11h14
